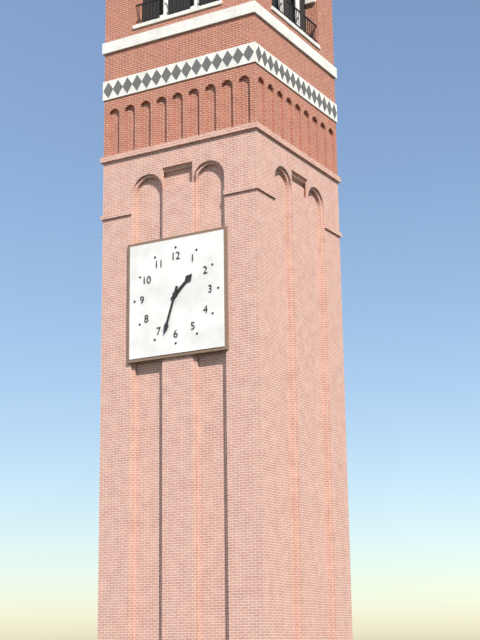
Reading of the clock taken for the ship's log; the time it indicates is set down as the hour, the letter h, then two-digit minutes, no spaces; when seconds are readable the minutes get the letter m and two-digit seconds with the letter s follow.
1h33
